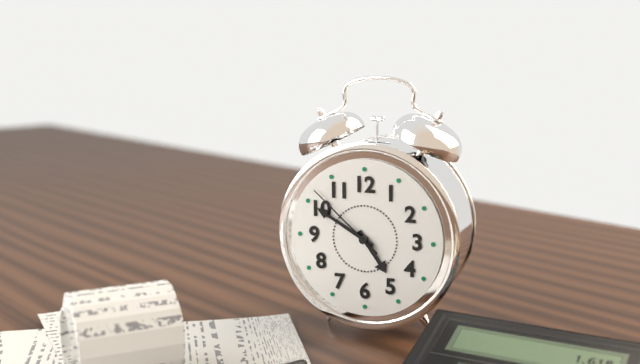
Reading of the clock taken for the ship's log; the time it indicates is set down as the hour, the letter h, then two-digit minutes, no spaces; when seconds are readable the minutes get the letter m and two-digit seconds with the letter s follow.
4h50m52s
